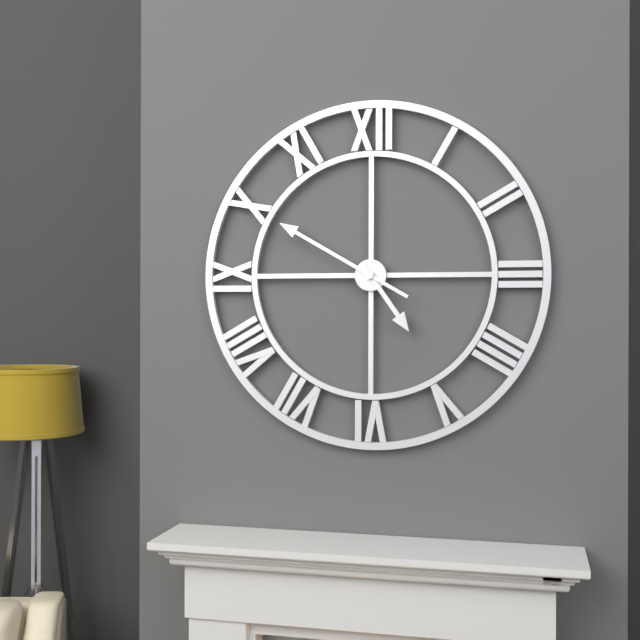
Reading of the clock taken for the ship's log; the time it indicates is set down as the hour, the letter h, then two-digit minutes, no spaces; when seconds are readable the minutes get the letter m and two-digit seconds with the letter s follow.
4h50
